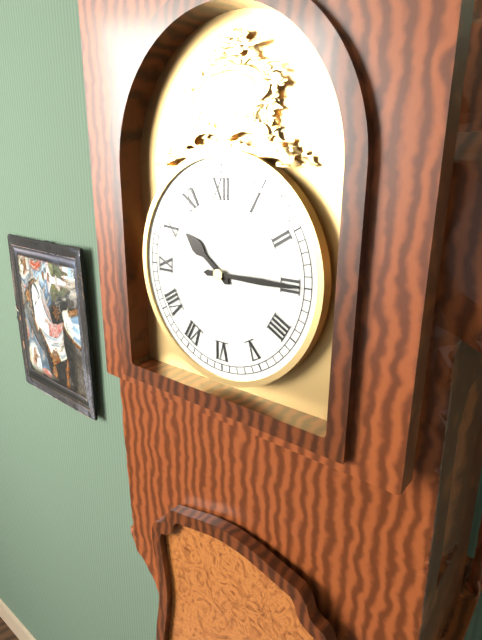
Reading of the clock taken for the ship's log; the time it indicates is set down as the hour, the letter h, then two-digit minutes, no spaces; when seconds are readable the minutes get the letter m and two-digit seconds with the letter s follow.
10h15
